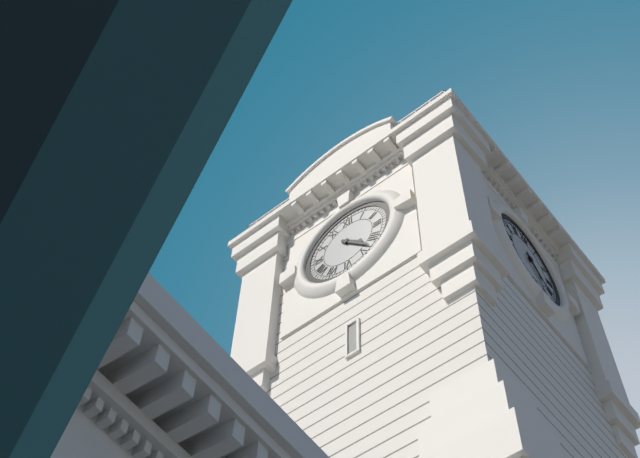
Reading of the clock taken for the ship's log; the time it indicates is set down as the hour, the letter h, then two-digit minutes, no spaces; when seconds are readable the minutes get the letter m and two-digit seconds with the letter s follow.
4h23
